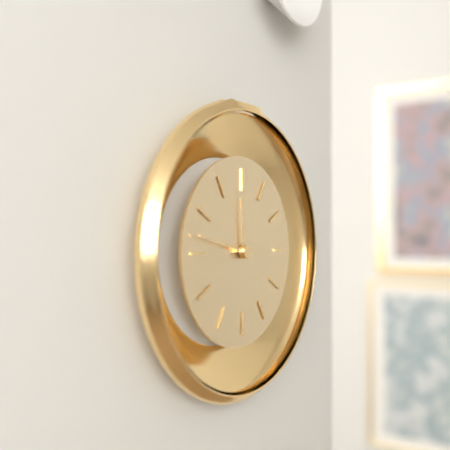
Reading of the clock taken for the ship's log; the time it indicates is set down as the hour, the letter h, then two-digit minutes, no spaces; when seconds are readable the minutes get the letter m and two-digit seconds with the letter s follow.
11h47
